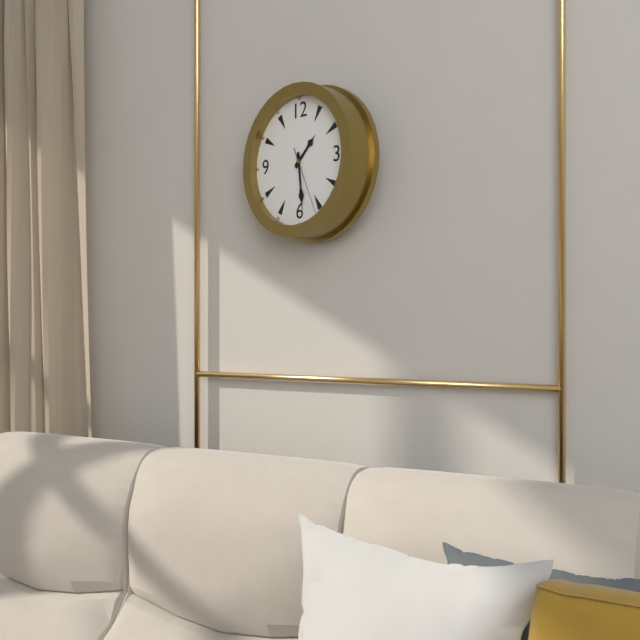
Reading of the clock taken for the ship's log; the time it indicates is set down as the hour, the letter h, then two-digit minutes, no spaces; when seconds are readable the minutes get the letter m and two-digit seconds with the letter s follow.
1h29m26s
